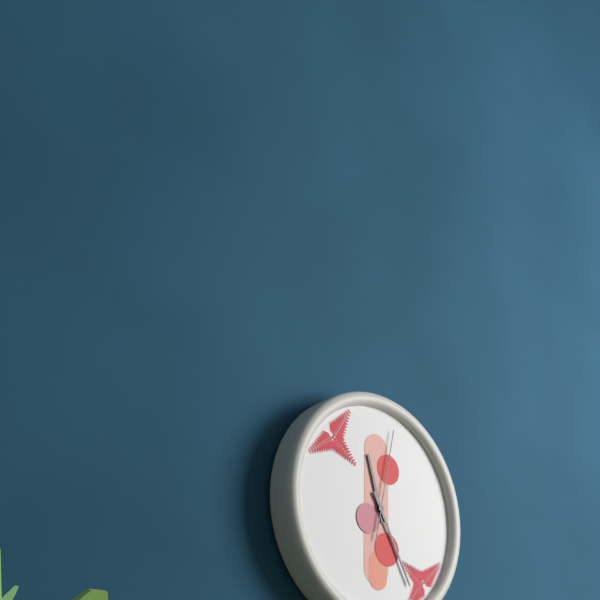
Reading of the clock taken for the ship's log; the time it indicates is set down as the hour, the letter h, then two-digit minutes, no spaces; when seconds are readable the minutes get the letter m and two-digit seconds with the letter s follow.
11h25m02s
